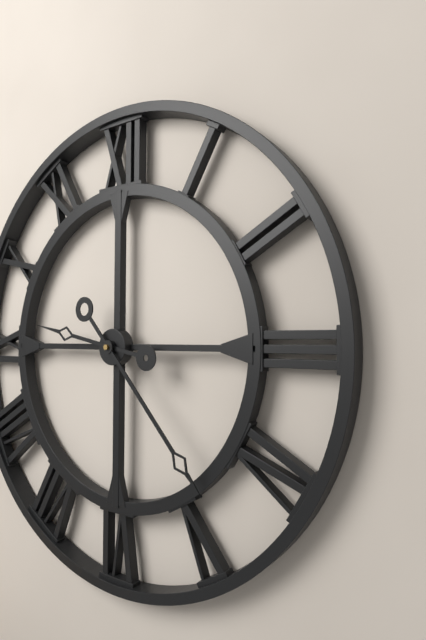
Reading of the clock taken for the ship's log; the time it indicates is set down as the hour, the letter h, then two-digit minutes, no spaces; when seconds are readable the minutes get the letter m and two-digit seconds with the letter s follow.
9h23
